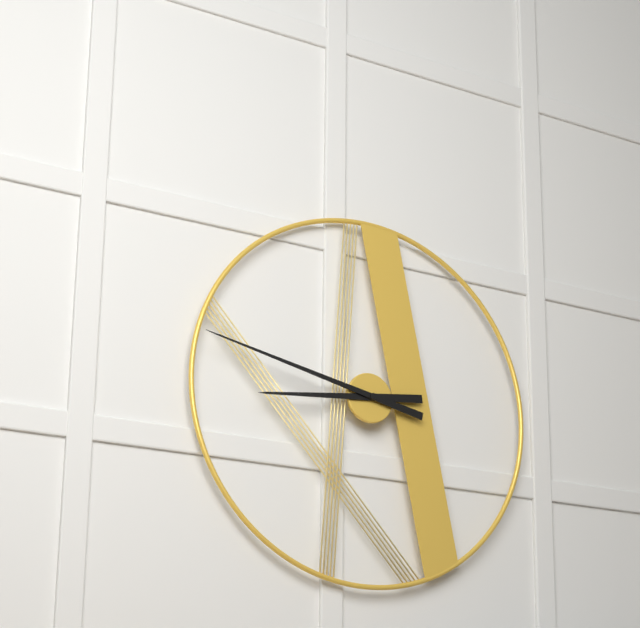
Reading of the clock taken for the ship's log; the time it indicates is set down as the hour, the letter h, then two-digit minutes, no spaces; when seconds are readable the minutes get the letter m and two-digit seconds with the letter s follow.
8h47
